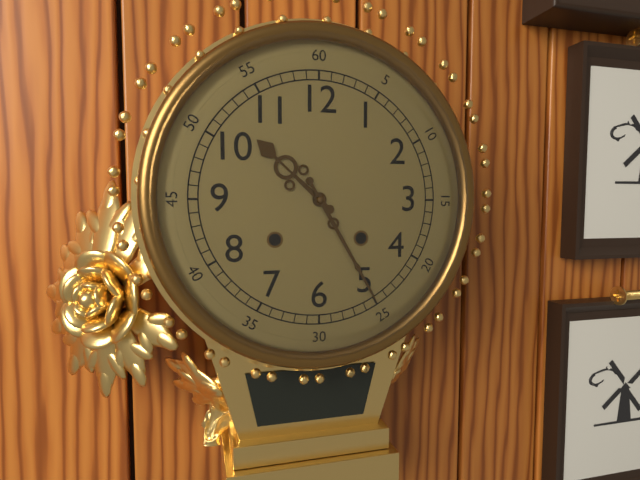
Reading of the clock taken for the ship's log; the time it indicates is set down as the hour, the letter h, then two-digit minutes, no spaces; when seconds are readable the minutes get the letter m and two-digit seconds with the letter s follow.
10h25
